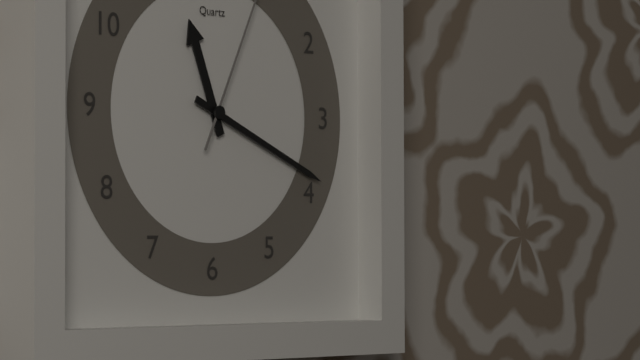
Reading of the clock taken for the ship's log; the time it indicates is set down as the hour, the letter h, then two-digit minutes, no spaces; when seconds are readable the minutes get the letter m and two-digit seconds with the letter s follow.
11h19
